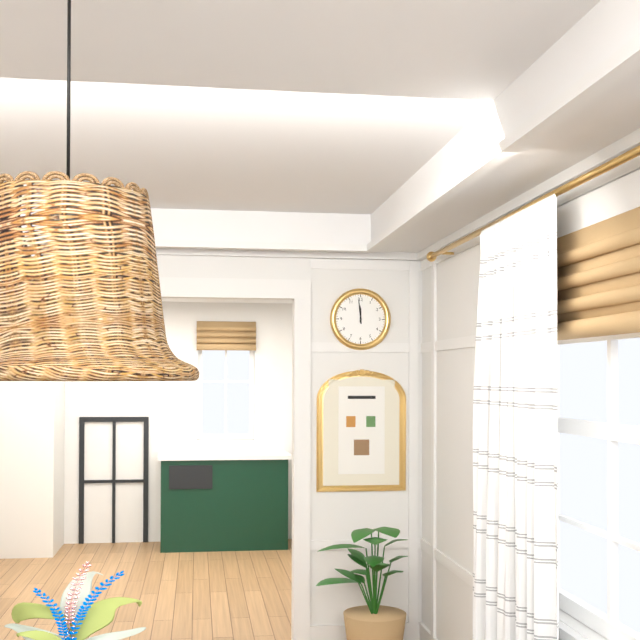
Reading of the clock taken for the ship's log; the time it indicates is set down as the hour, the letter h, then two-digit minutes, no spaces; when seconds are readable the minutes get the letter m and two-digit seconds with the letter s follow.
11h59
